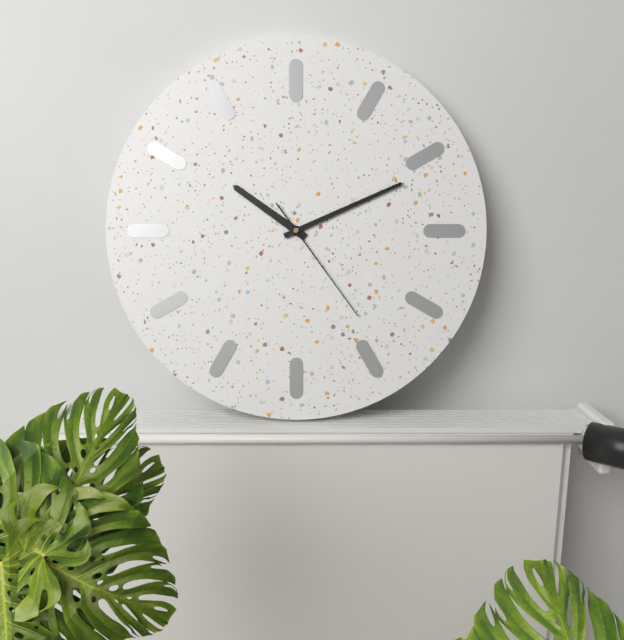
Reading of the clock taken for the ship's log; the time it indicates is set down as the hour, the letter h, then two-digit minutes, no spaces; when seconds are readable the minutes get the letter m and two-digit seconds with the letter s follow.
10h11m24s
